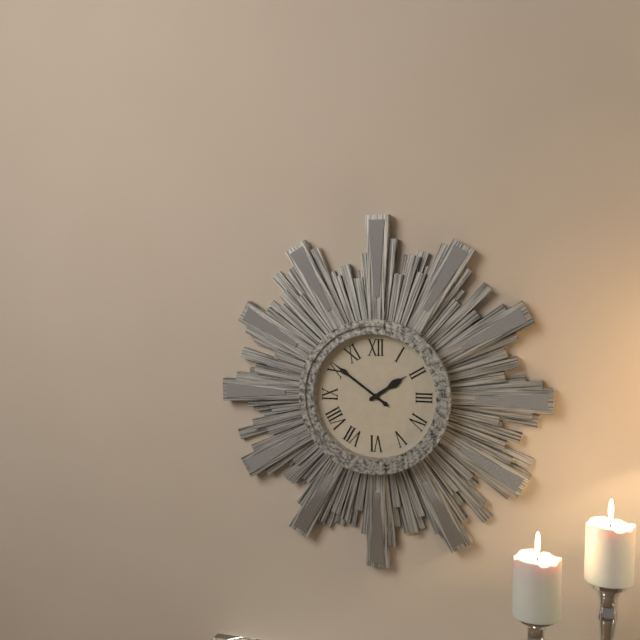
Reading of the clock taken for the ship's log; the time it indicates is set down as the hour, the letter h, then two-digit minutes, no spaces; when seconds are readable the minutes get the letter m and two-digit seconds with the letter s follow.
1h51
